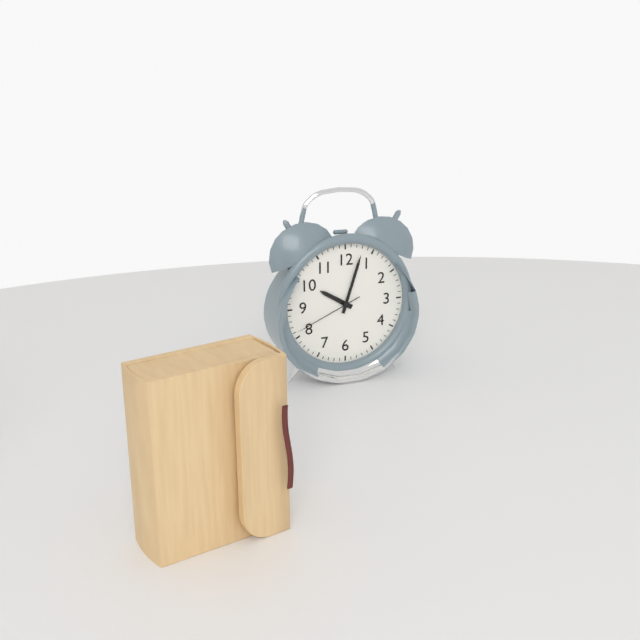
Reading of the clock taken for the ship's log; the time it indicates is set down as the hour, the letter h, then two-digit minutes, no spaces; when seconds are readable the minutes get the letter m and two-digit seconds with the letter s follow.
10h03m41s
